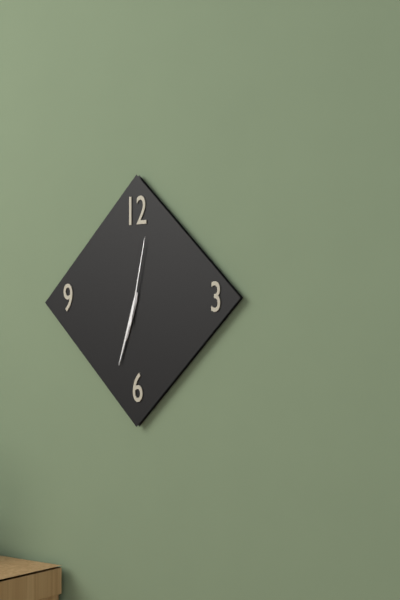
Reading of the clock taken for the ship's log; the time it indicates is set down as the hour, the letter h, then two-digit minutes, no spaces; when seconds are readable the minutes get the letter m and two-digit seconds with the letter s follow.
6h33m02s
